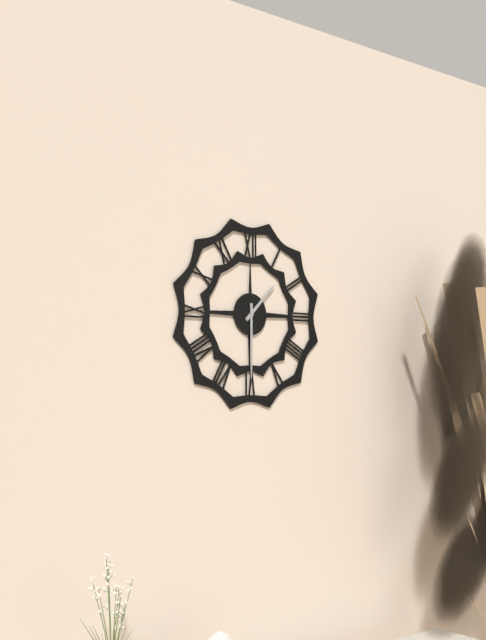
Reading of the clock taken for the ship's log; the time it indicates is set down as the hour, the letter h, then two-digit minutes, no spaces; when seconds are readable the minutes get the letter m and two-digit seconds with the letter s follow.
1h30
